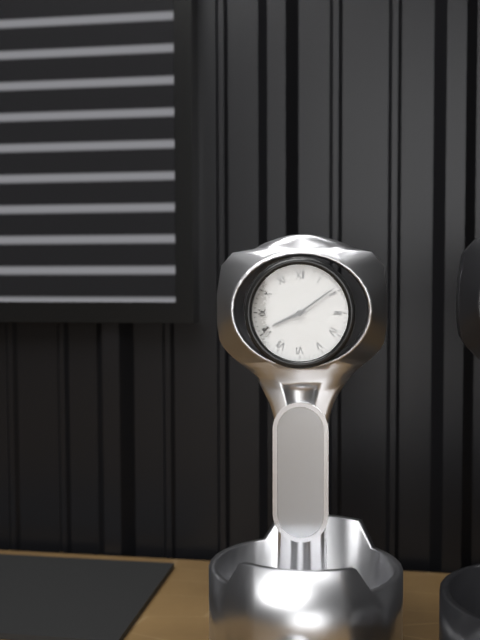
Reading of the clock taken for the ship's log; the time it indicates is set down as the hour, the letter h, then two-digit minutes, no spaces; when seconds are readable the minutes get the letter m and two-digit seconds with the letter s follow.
8h09
